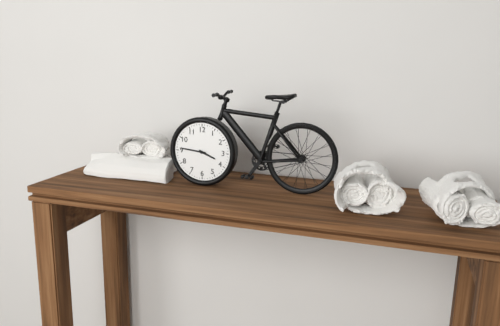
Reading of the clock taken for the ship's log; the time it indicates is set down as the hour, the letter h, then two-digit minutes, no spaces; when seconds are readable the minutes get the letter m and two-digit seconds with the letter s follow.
3h46
